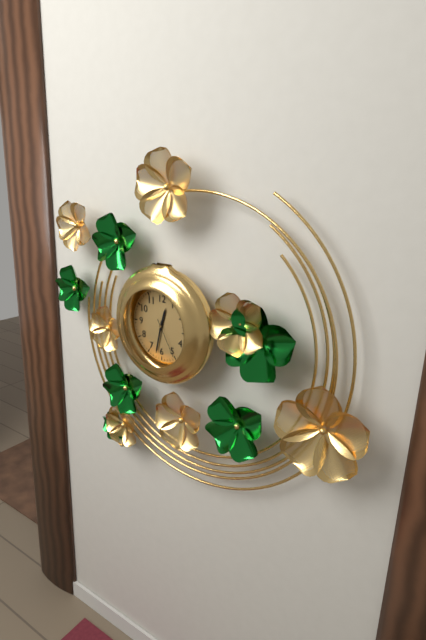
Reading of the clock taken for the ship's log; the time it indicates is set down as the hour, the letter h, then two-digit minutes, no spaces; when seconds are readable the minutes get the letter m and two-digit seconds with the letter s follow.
12h32
